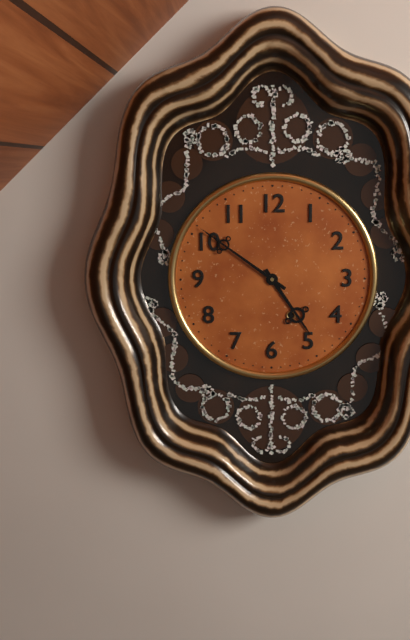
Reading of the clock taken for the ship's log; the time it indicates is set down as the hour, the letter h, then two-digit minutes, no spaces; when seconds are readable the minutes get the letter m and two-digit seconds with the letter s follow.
4h51
